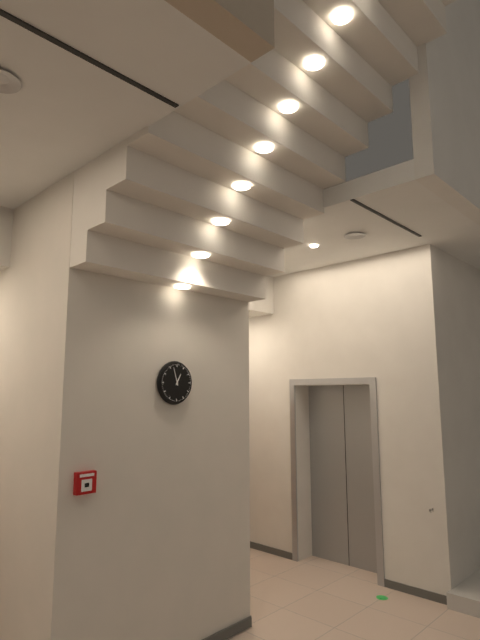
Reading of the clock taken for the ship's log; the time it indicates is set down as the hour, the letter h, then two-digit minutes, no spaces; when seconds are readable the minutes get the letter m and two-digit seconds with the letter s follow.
12h57
